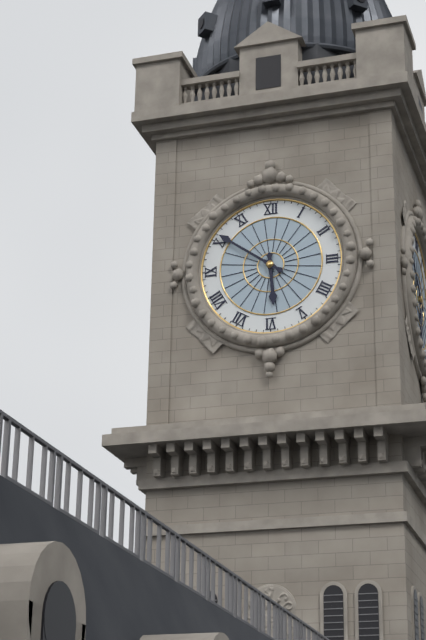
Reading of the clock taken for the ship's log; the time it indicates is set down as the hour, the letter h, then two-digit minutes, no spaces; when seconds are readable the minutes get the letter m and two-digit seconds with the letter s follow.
5h51
